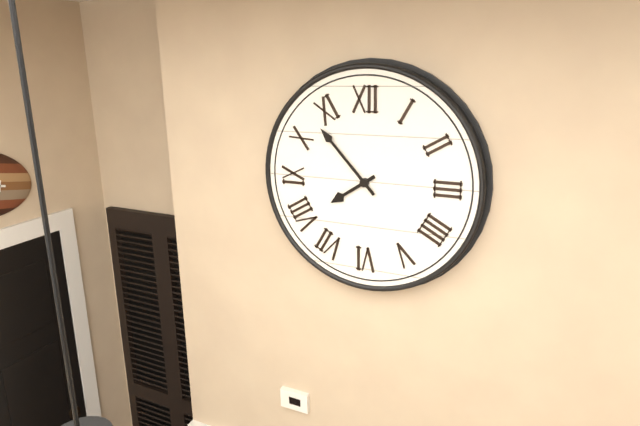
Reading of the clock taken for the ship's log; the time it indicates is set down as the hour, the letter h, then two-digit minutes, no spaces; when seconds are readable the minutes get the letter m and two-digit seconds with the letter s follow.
7h53
